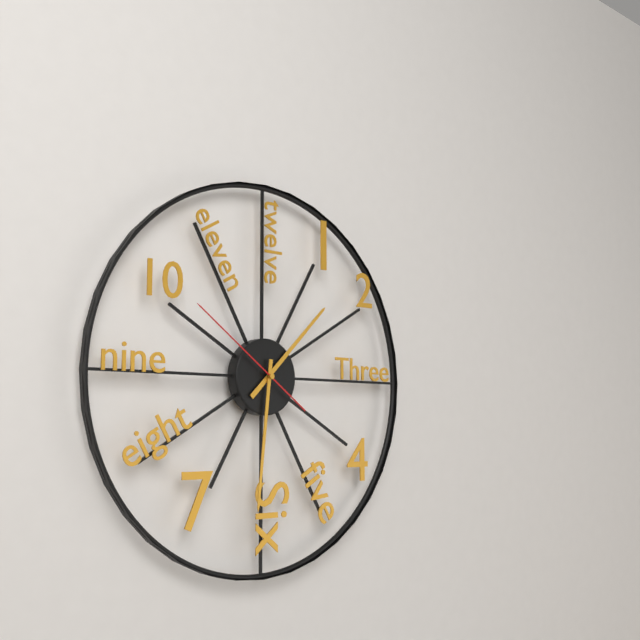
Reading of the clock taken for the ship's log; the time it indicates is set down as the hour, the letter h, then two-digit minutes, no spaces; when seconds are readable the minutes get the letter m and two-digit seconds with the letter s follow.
1h31m51s
